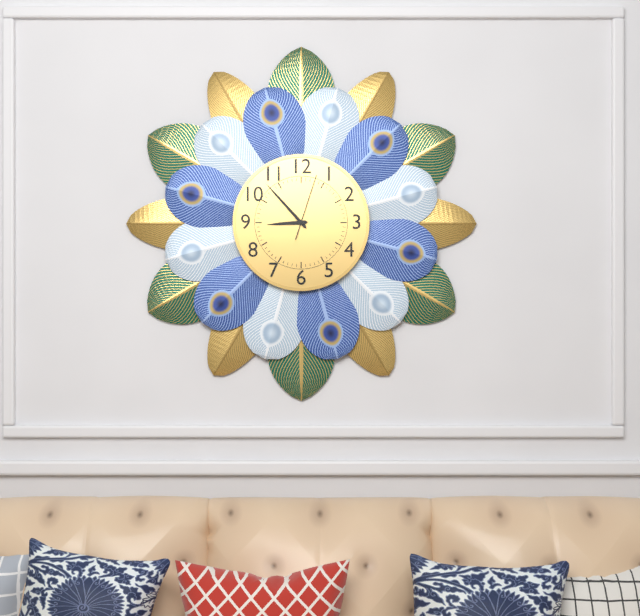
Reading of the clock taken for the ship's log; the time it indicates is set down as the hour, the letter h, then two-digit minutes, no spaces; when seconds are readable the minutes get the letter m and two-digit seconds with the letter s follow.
8h53m03s
